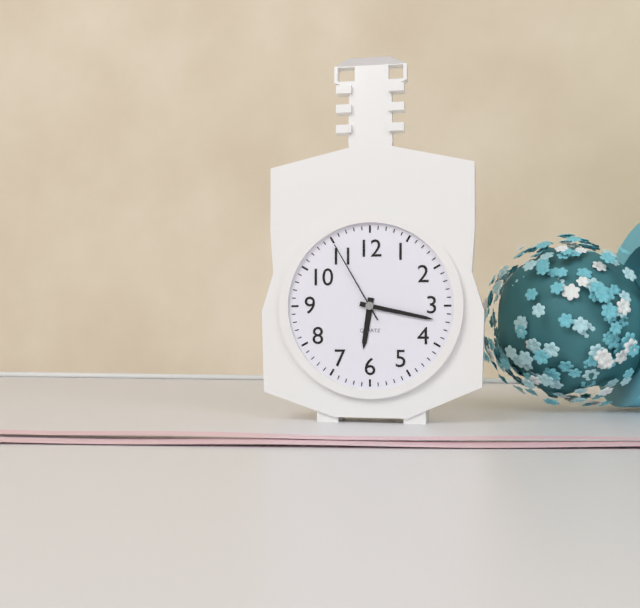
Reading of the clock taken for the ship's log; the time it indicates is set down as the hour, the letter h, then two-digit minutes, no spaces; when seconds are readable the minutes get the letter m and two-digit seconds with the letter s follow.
6h17m55s
